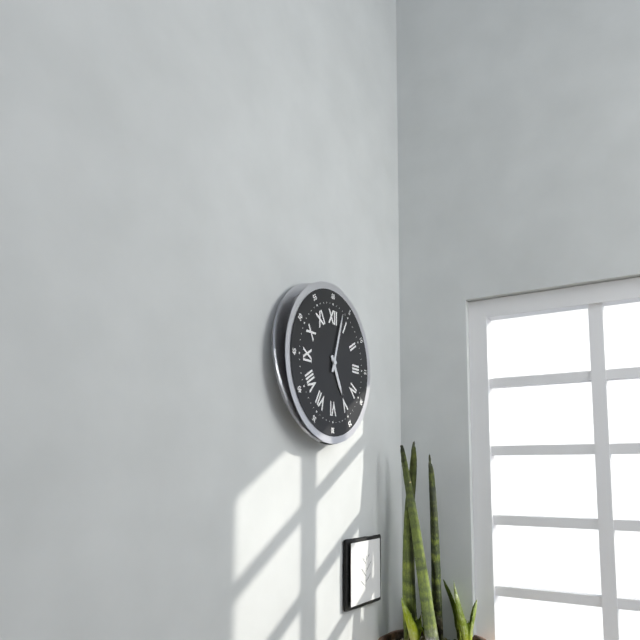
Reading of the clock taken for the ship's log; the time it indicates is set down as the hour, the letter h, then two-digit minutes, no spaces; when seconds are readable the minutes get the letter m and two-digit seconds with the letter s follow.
5h03
